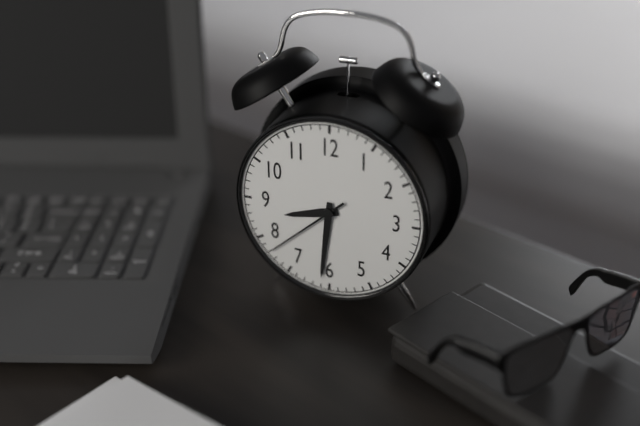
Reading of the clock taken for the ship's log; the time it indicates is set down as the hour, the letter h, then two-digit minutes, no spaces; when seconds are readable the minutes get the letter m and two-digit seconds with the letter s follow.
8h31m38s
